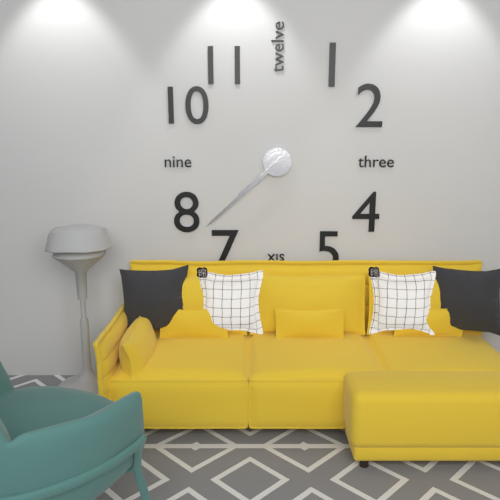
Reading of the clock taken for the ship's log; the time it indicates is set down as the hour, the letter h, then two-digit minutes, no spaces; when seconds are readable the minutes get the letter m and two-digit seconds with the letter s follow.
7h38
